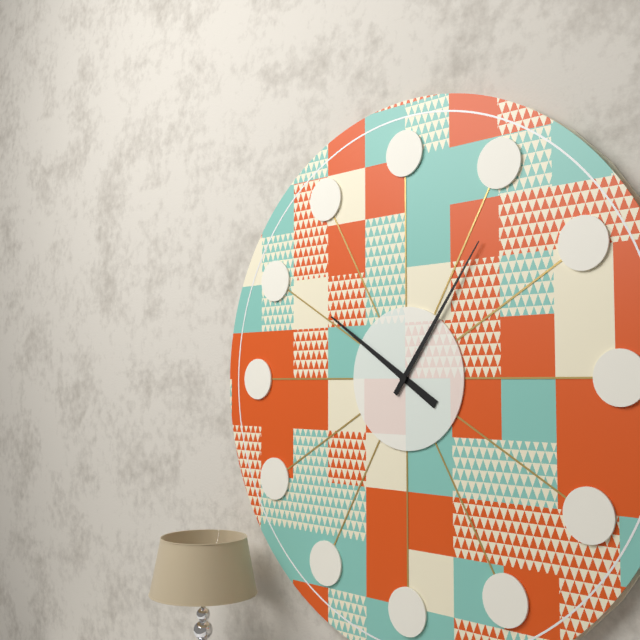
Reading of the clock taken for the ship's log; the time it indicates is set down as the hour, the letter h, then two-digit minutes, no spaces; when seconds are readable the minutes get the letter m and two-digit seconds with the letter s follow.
10h06
